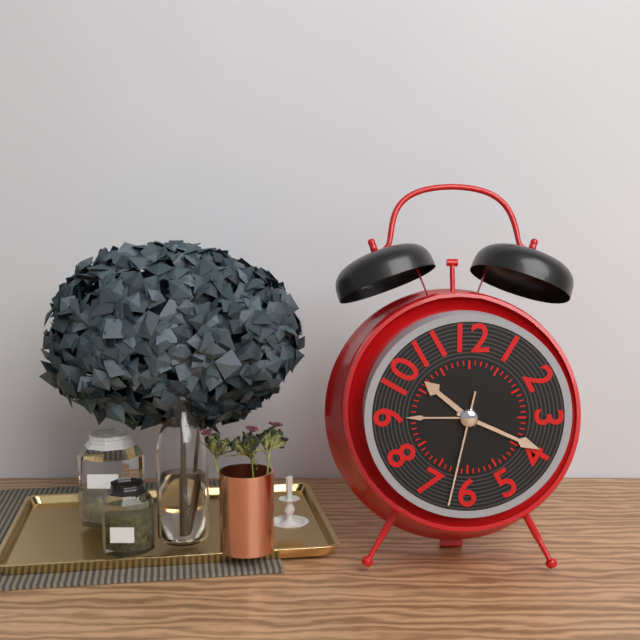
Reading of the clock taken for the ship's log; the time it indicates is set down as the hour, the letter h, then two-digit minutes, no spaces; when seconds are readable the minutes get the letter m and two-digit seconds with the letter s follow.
10h19m32s
